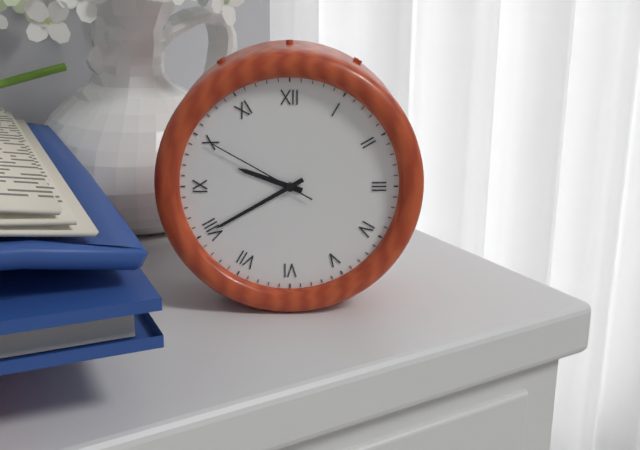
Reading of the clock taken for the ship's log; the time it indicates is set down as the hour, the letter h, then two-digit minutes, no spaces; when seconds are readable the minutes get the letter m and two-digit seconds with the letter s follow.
9h40m50s
